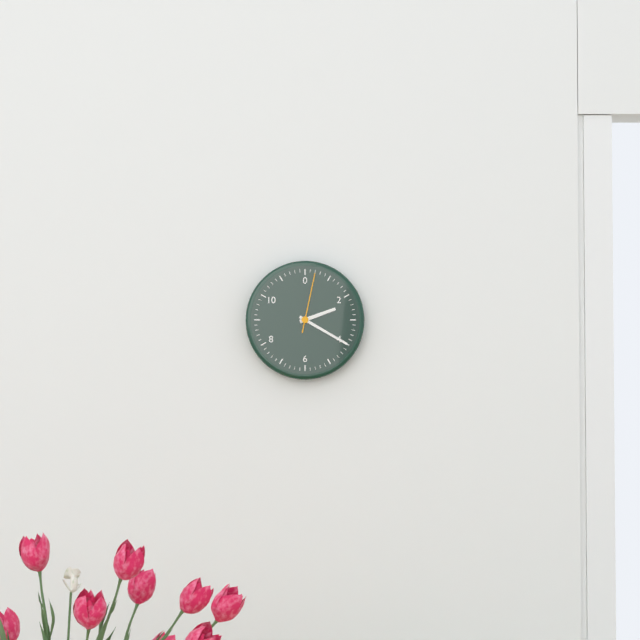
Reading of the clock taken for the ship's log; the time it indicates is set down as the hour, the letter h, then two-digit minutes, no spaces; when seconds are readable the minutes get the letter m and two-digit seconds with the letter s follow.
2h20m02s
